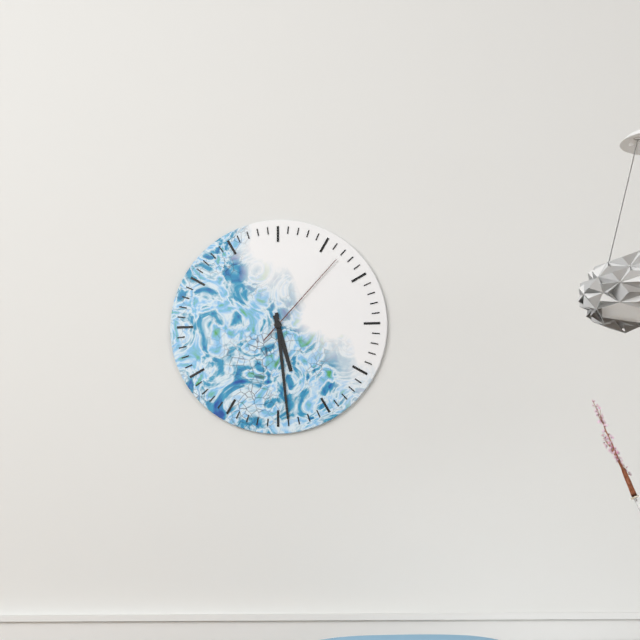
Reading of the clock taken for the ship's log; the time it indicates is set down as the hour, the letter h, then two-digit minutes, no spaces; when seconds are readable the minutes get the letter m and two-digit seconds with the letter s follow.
5h29m07s
